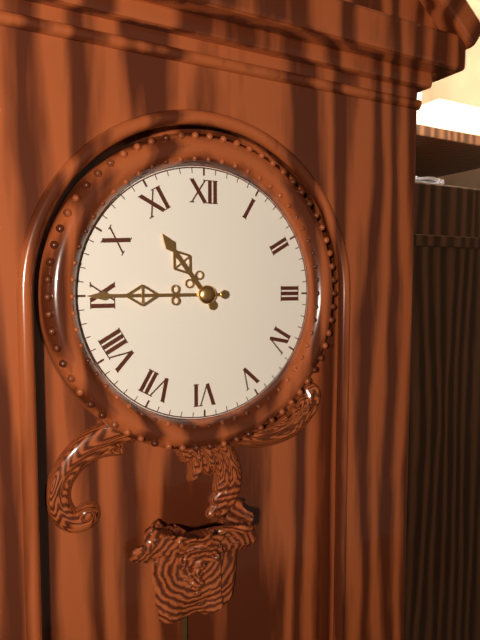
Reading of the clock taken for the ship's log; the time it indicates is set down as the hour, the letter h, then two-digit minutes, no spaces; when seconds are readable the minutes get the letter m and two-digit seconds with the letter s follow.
10h45
